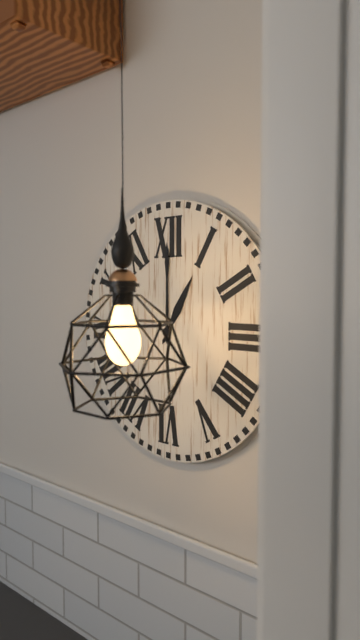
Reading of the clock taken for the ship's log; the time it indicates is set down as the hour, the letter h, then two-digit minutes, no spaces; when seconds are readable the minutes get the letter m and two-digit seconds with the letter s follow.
1h00
